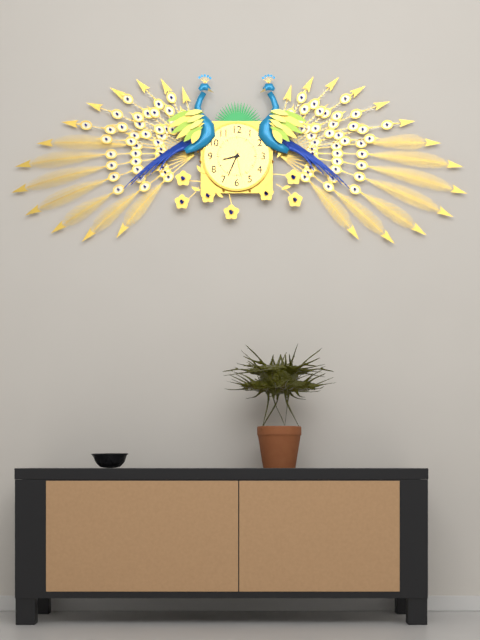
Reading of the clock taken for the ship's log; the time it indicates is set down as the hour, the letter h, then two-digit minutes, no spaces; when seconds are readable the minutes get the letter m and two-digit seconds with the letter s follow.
8h34
